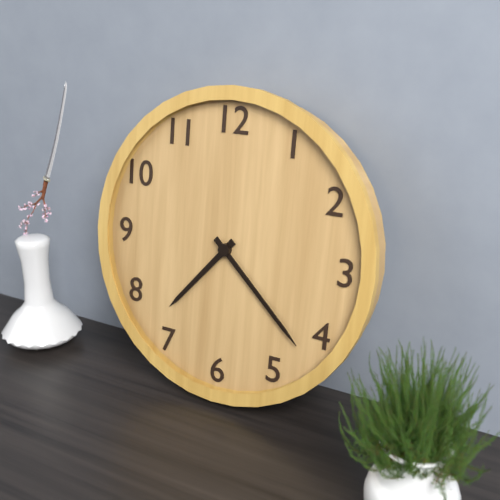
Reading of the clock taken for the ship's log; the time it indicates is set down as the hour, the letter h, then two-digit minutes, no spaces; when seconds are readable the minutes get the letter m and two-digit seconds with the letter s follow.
7h22
